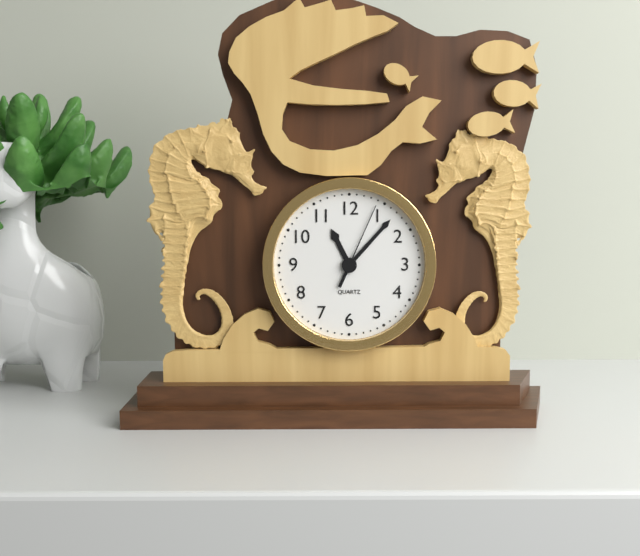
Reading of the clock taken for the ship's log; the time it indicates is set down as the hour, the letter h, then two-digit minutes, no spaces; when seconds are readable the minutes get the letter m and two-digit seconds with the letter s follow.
11h07m04s
